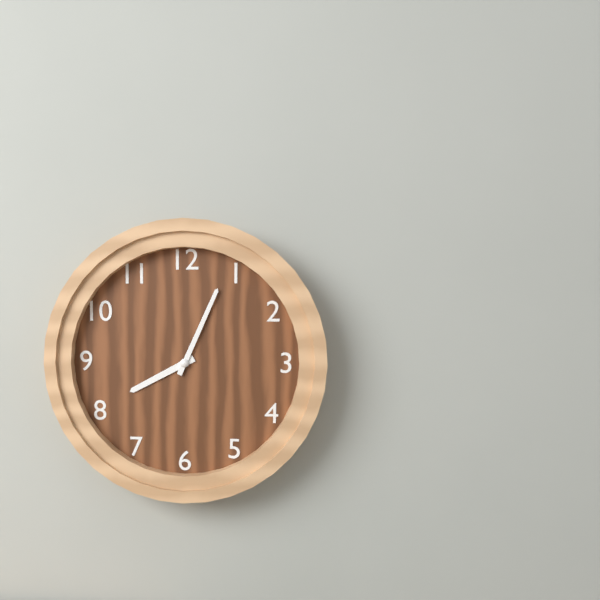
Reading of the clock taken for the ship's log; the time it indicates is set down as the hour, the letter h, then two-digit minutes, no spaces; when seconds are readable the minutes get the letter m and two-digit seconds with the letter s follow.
8h04
